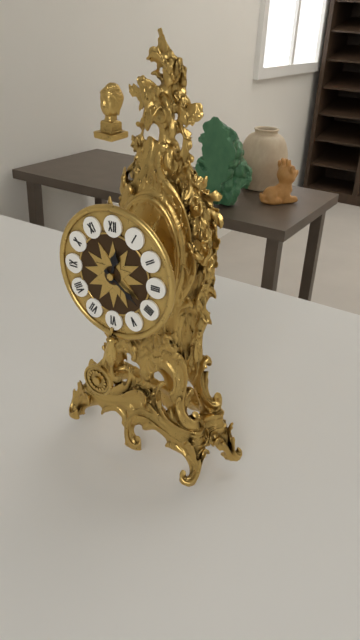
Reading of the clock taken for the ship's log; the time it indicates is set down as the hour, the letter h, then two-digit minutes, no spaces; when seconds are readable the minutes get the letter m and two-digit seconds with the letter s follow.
12h21
